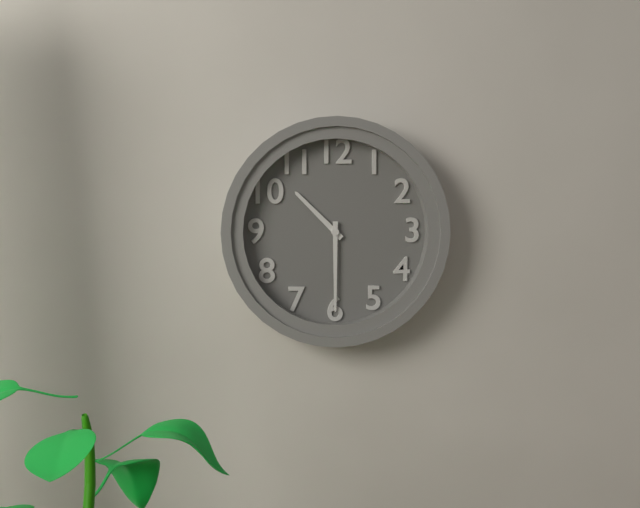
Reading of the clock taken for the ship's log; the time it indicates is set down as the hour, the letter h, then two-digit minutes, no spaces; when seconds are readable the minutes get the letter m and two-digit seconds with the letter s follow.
10h30
